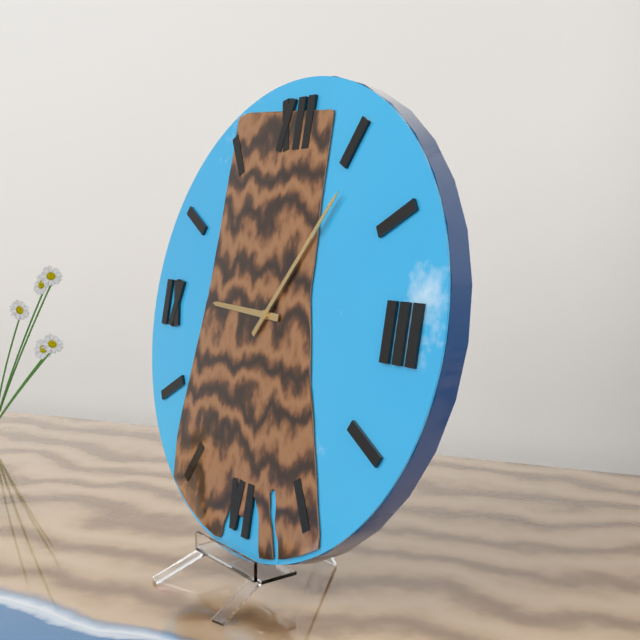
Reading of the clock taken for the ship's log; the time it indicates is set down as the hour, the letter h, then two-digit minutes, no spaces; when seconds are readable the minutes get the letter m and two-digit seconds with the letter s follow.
9h06
